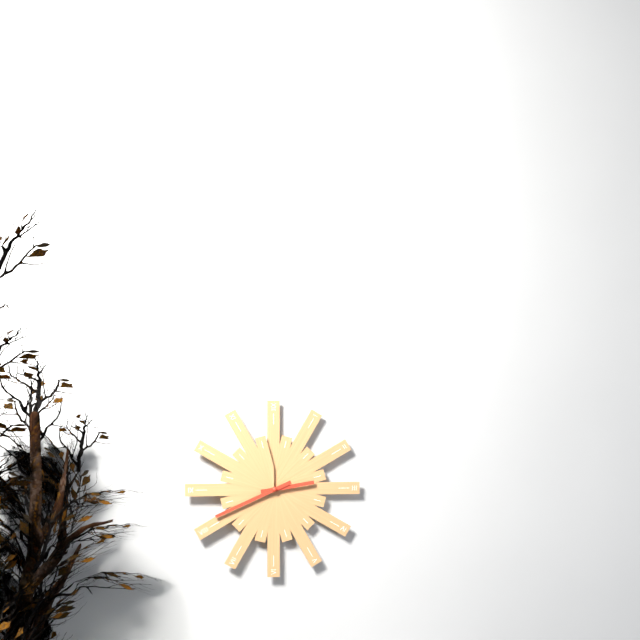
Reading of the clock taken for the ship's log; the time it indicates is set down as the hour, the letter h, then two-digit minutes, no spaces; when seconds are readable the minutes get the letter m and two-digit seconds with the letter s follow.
2h41
